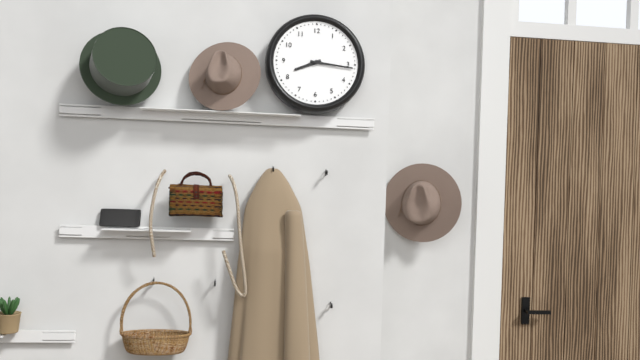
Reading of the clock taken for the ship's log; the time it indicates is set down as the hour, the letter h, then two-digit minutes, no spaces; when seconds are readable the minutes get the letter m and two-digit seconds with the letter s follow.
8h16
